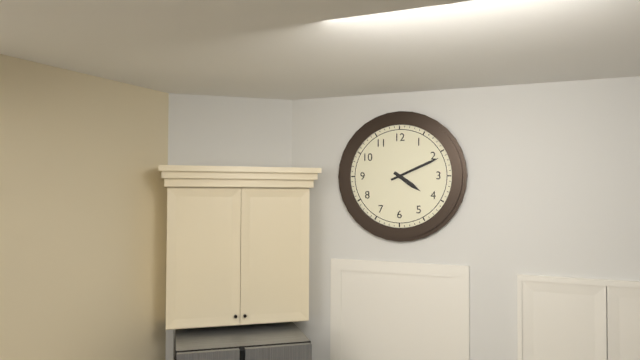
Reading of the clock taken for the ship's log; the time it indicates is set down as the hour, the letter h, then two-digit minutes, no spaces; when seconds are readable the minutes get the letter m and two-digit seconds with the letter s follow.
4h11
